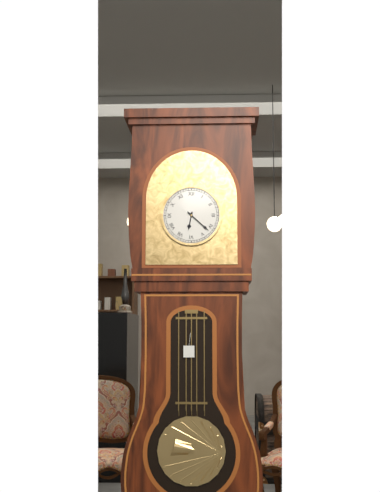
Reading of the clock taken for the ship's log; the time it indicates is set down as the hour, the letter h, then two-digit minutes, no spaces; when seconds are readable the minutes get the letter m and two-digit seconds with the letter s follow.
6h22
